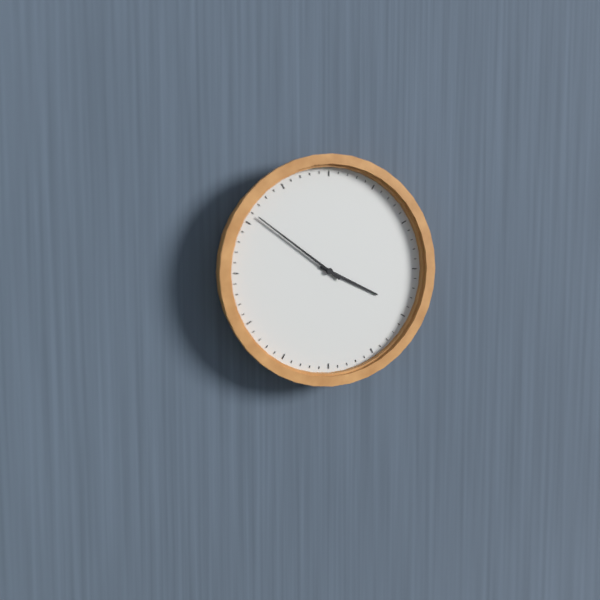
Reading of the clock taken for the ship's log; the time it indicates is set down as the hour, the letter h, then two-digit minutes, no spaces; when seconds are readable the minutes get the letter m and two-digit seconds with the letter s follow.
3h51
